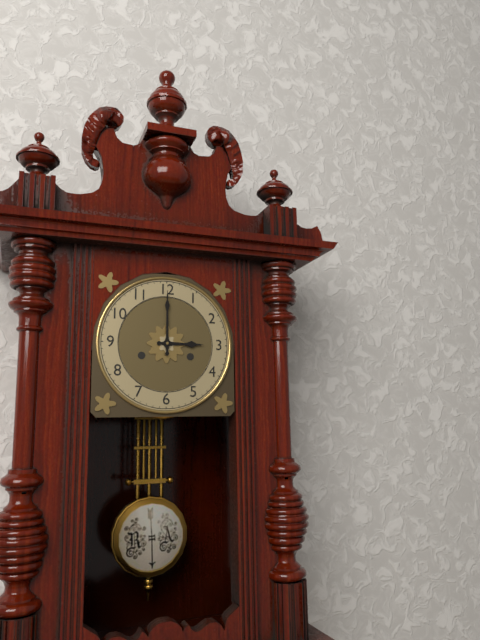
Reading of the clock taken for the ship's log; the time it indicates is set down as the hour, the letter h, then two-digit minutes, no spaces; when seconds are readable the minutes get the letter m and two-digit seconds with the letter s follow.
3h00
